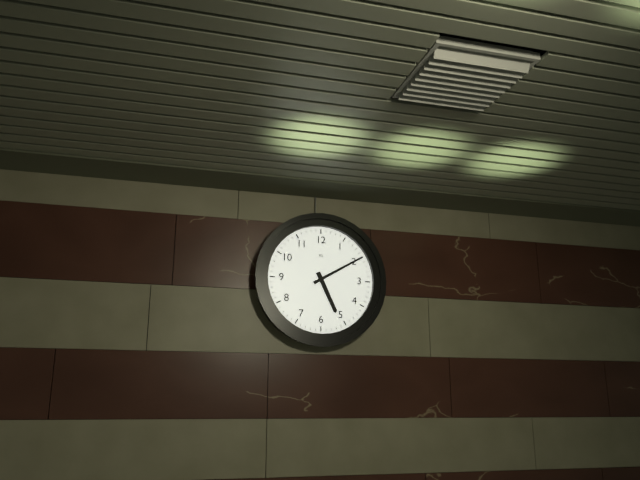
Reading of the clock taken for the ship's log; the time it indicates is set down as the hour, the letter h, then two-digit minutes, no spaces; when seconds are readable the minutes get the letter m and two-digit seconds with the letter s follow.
5h10
